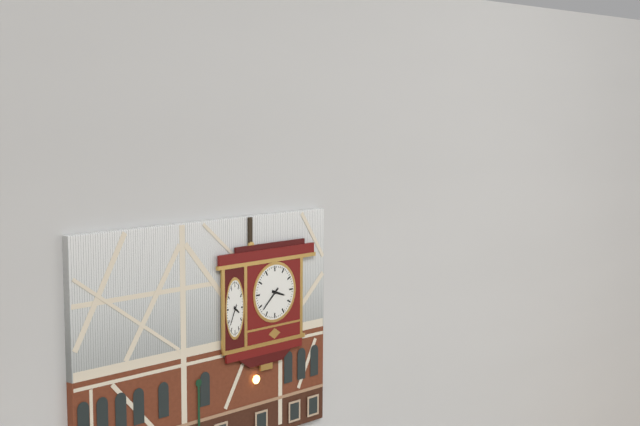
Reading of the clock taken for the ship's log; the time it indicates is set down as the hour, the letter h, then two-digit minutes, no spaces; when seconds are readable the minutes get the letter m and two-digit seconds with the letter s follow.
3h38
